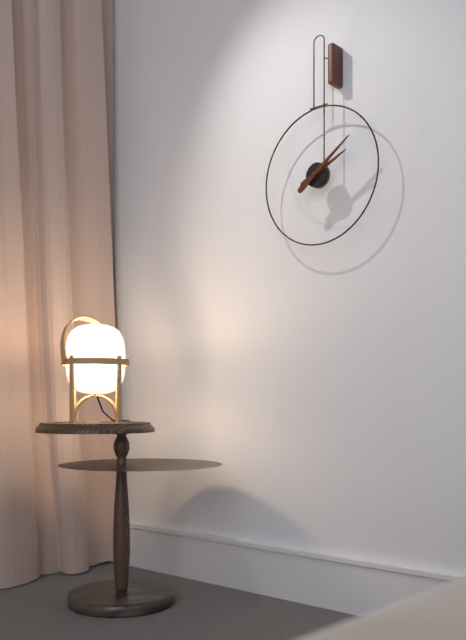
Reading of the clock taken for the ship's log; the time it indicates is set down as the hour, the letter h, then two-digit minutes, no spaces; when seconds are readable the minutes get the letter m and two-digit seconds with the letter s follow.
2h09
